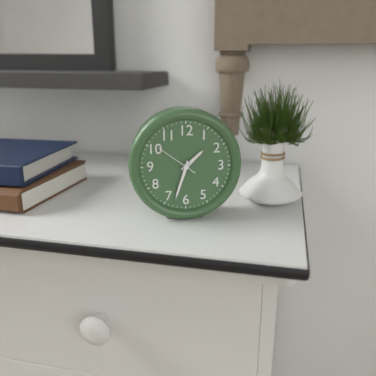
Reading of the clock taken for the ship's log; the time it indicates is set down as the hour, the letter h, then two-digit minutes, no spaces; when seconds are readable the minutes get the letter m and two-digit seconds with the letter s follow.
1h33
